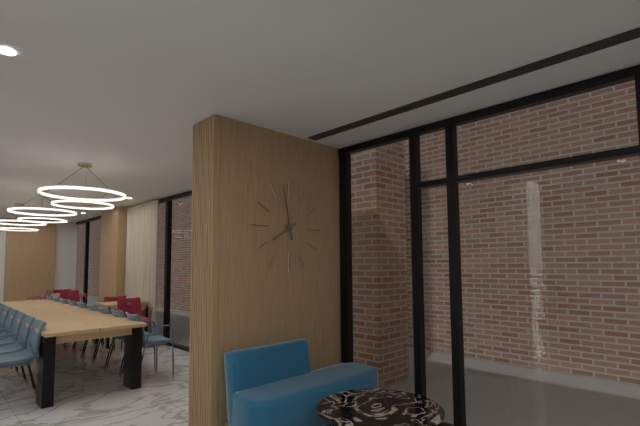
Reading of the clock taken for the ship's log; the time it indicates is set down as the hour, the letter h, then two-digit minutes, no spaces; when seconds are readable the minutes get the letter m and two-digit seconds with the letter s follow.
7h58
